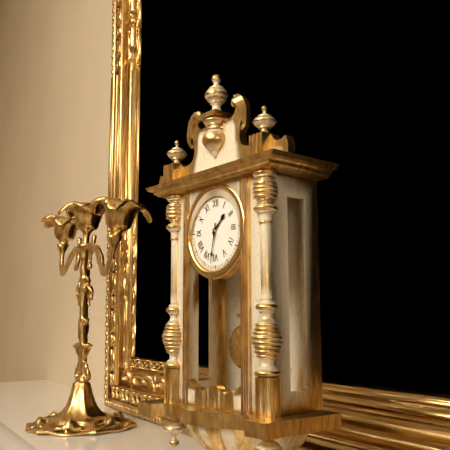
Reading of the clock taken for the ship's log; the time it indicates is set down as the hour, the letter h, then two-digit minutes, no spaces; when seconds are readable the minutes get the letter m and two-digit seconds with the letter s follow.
1h32
